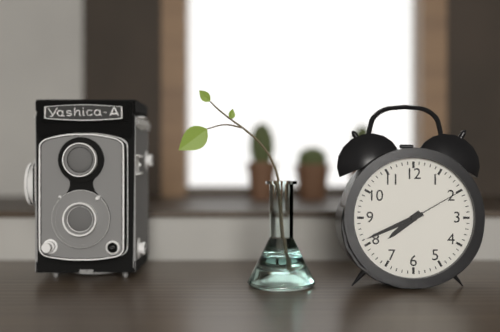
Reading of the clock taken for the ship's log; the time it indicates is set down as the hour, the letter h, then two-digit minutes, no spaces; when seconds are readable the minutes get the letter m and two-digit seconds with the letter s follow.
7h41m10s
